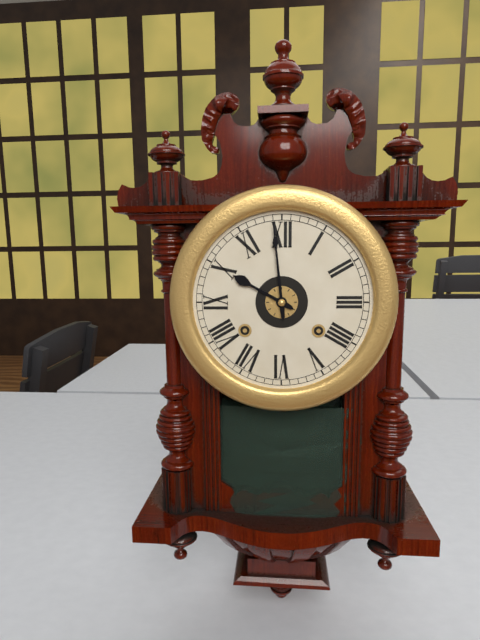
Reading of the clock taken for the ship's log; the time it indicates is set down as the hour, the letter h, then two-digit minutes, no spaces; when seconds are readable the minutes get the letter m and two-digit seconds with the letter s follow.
9h59
